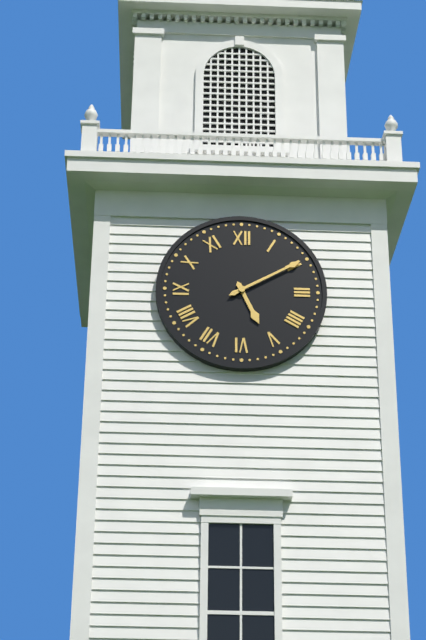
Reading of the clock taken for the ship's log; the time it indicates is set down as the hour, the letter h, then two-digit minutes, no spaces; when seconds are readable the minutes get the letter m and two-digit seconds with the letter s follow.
5h10
